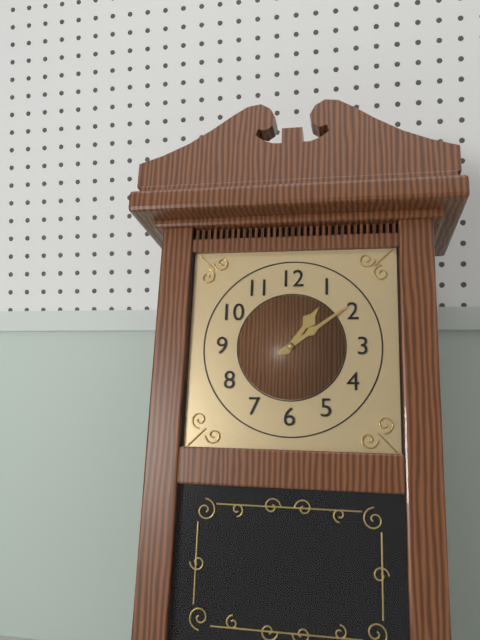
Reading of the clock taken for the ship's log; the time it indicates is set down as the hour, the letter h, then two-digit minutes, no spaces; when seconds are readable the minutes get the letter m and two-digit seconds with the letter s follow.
1h09
